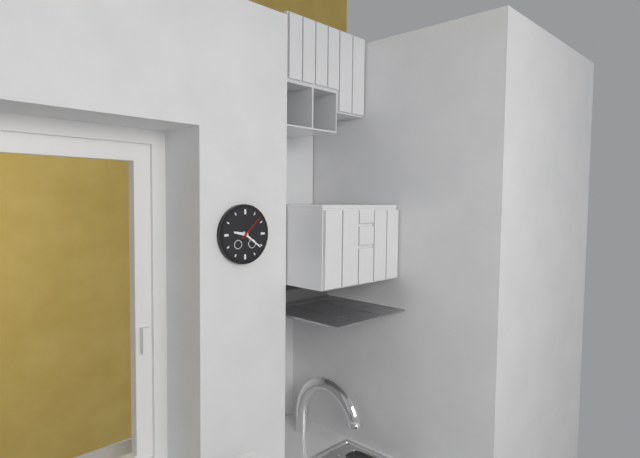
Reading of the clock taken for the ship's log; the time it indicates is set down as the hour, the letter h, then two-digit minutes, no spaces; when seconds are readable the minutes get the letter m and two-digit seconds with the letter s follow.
9h21
